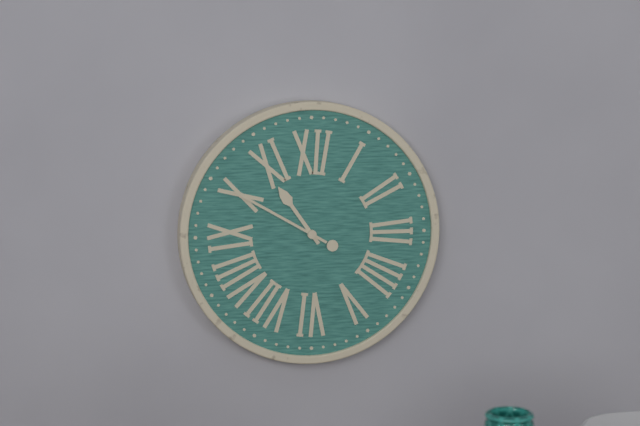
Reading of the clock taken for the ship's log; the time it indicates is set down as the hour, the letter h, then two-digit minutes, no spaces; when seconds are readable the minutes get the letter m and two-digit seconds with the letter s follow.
10h50
